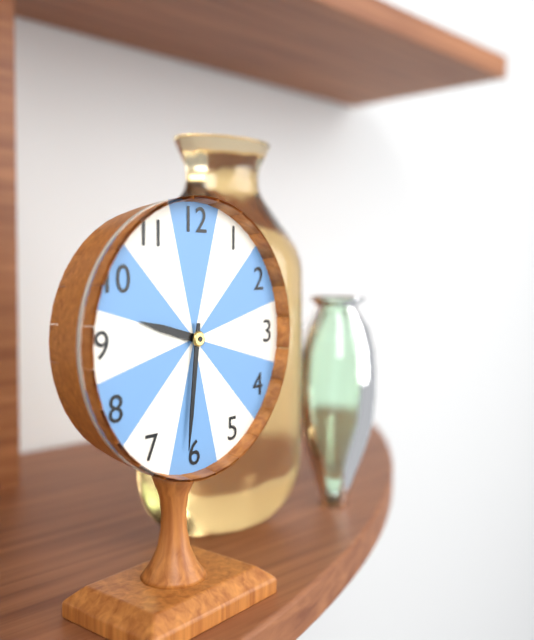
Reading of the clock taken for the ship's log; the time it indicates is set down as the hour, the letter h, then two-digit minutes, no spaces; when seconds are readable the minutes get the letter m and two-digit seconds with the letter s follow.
9h31
